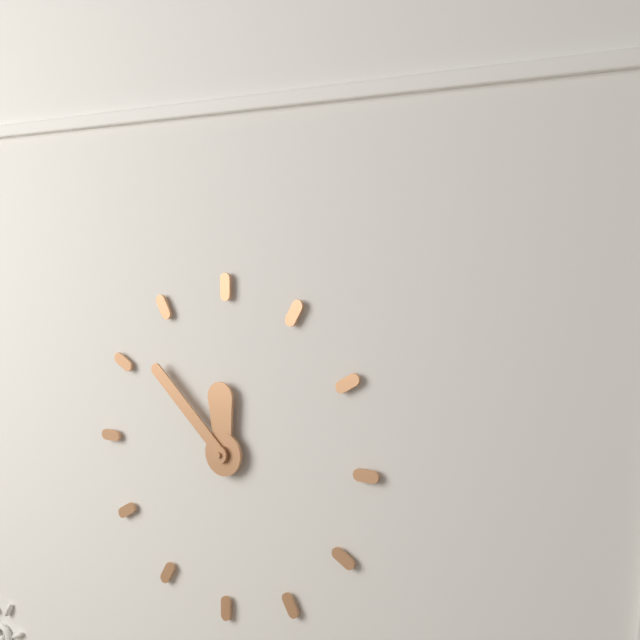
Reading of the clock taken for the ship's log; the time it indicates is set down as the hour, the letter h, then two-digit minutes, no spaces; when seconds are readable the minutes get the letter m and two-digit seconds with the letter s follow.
11h52
